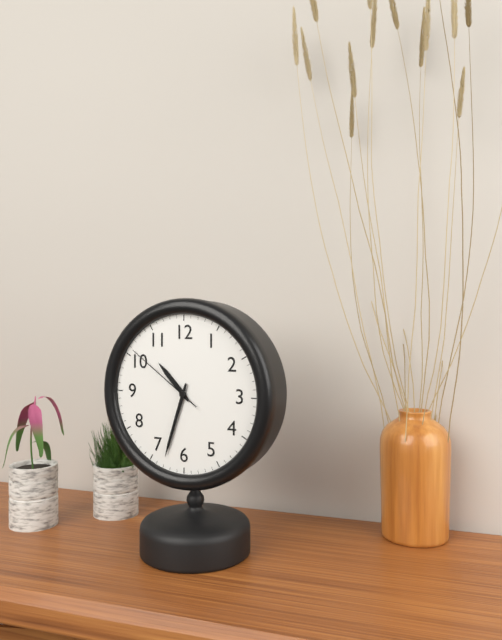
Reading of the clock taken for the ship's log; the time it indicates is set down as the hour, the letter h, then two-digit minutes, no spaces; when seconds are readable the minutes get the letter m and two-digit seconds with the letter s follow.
10h33m51s
